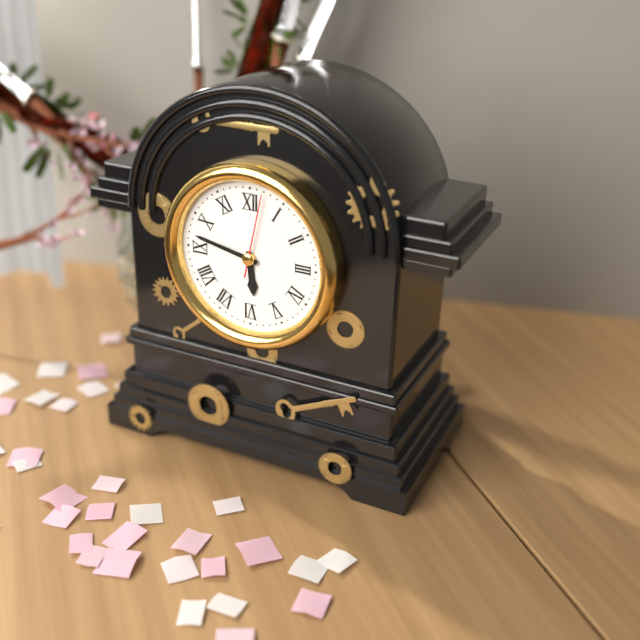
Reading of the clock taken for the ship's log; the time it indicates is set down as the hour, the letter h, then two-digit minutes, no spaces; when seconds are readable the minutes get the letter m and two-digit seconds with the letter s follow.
5h47m02s
